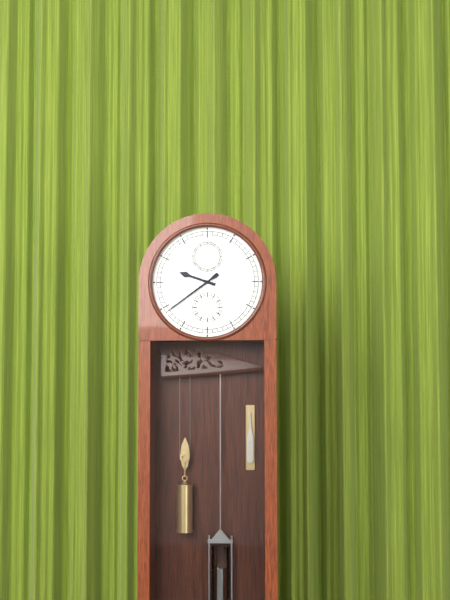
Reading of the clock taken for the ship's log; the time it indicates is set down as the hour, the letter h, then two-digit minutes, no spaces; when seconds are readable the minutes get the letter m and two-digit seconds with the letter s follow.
9h39
